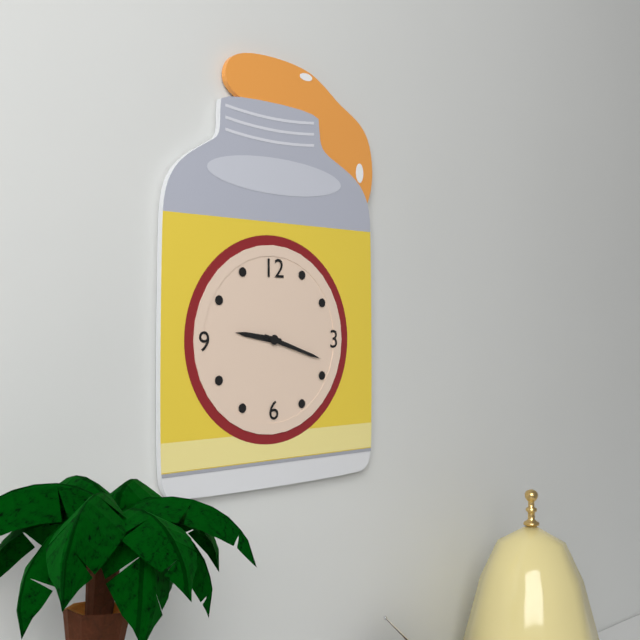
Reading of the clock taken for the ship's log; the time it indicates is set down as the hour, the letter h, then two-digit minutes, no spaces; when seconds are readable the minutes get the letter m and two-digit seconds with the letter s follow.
9h18
